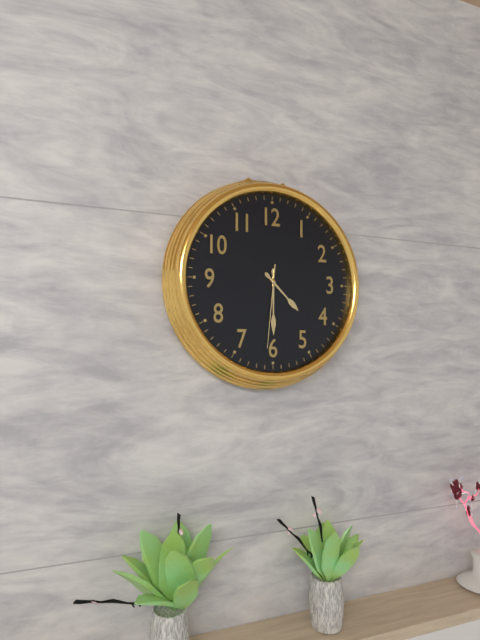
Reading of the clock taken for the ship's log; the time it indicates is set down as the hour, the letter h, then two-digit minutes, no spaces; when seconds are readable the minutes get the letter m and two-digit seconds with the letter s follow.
4h30m31s
